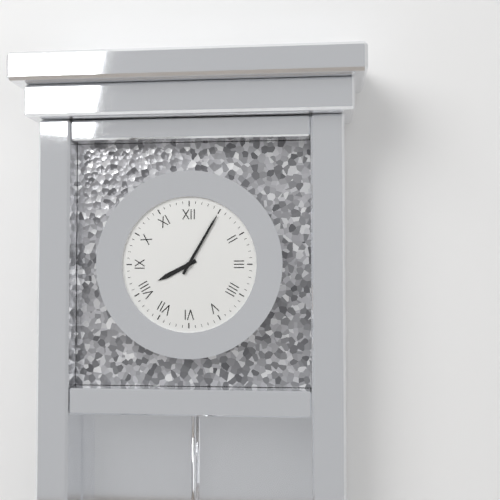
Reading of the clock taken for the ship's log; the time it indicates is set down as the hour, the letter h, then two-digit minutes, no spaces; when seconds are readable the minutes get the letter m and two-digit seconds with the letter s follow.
8h05
